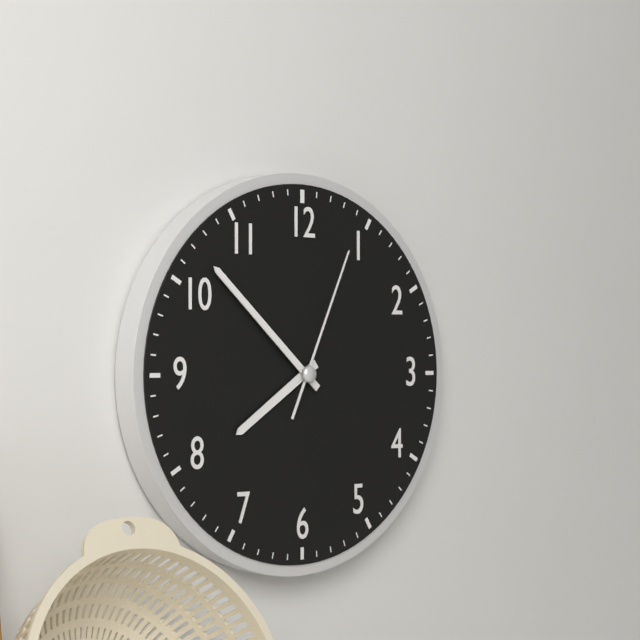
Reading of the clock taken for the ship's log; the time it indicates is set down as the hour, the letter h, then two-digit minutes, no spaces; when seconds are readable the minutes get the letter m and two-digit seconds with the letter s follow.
7h52m04s
